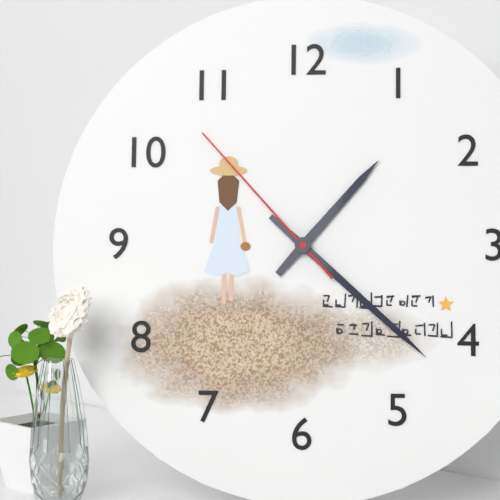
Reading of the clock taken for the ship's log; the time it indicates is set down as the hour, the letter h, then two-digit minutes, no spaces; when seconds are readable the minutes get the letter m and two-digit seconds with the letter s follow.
1h22m53s
